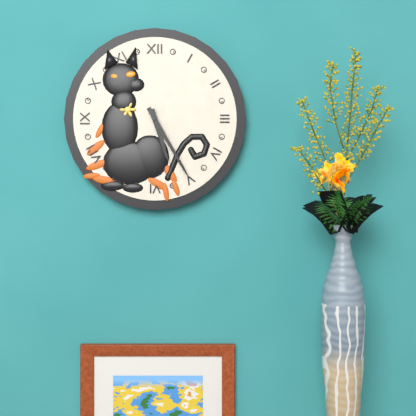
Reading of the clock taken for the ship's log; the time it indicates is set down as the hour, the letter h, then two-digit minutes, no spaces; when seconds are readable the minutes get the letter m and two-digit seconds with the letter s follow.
5h25
